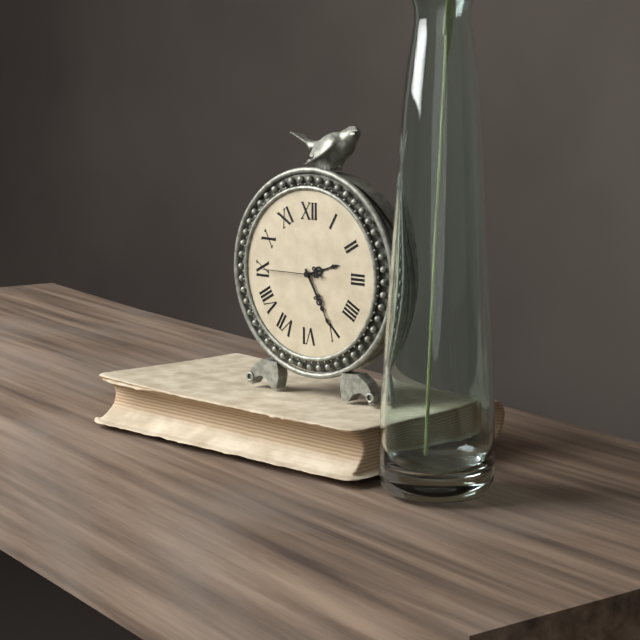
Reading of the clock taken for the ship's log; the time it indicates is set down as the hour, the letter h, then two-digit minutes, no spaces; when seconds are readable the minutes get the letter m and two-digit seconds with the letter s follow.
2h25m45s
